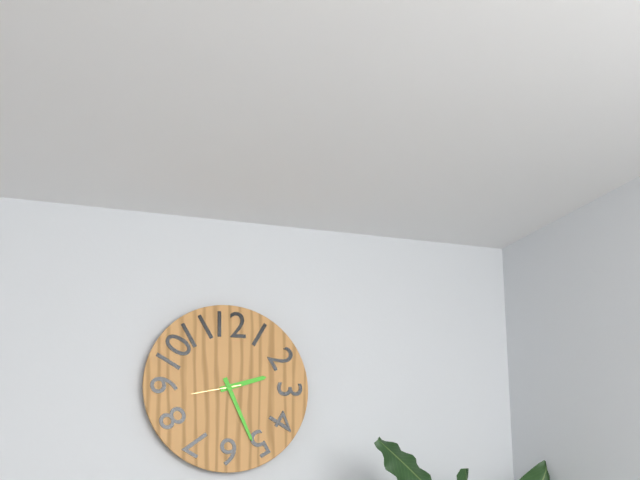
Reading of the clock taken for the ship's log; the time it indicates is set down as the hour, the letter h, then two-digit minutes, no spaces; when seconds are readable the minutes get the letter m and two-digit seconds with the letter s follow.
2h26
